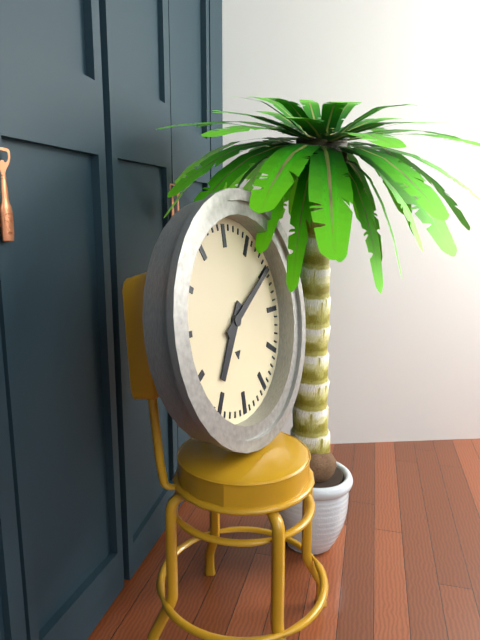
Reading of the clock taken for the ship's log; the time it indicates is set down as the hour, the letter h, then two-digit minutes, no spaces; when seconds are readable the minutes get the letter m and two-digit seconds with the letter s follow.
7h10
